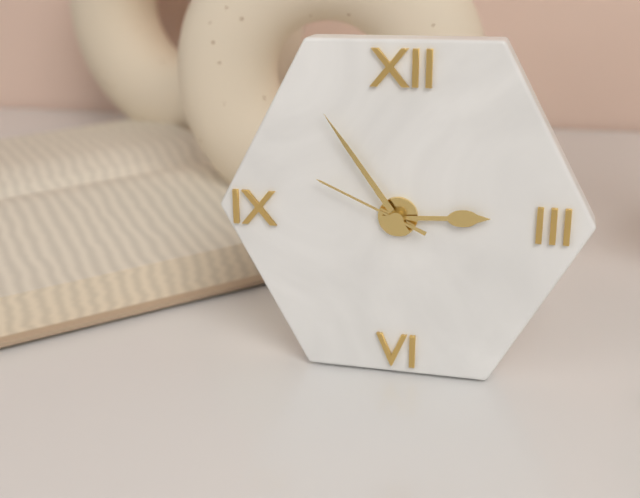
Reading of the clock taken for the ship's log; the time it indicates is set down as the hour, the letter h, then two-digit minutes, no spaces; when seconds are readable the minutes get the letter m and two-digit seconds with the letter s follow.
2h54m49s
